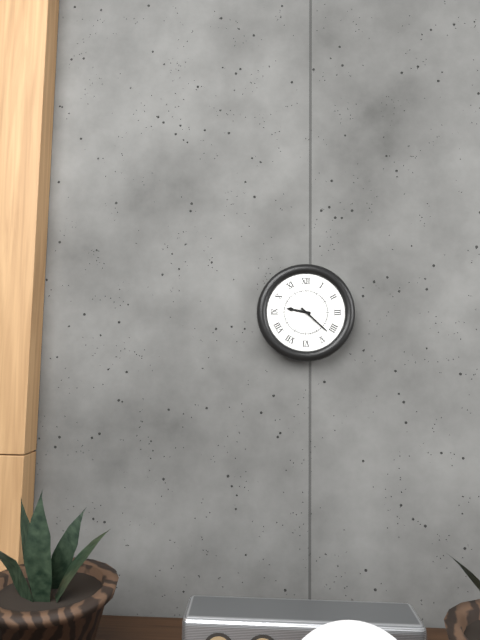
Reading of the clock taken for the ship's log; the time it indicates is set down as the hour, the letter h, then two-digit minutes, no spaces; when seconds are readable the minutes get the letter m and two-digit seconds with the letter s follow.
9h22
